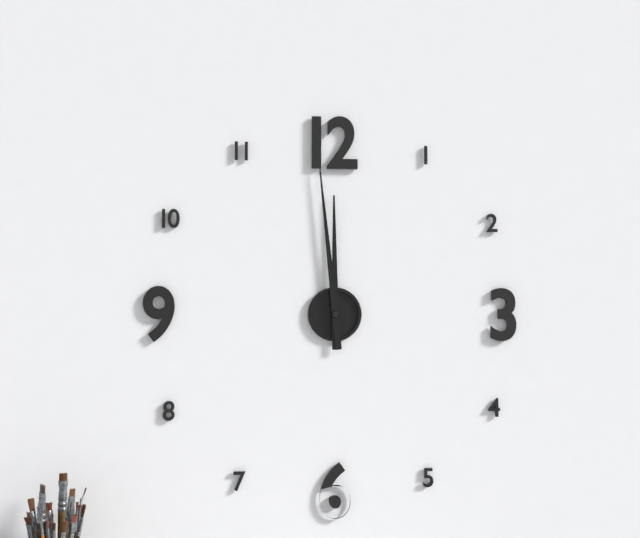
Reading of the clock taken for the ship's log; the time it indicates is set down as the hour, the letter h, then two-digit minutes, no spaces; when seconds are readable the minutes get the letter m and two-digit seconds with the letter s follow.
11h59
